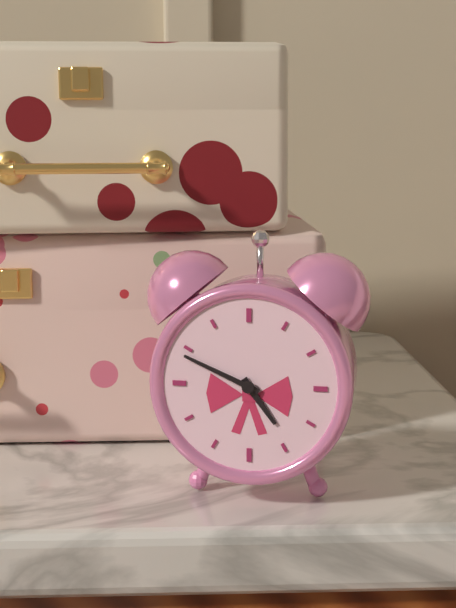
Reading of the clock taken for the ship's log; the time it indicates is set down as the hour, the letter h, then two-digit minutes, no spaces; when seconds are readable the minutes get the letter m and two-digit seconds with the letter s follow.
4h49
